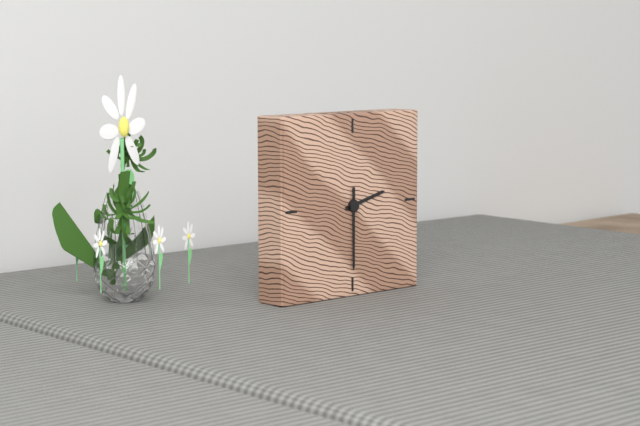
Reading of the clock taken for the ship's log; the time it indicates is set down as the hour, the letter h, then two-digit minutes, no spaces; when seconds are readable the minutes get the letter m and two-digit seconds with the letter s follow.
2h30
